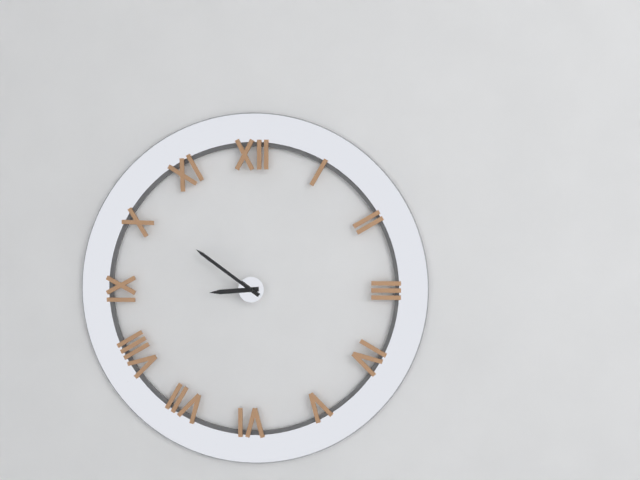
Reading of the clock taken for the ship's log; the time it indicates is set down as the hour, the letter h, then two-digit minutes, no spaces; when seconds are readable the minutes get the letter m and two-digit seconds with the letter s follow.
8h51
